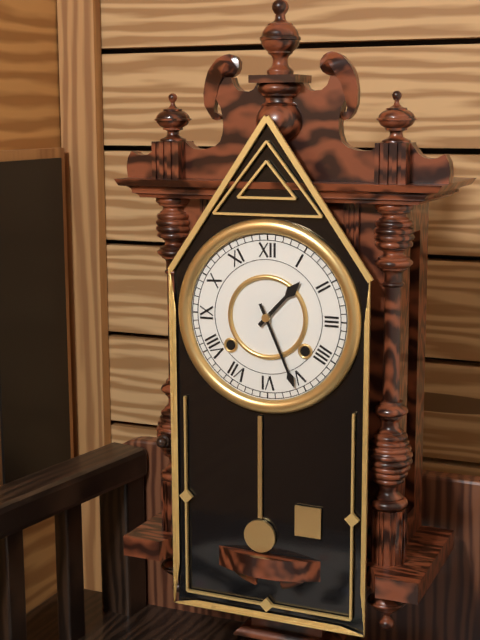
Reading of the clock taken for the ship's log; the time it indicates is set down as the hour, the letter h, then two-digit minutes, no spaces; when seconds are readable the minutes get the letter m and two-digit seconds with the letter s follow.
1h26
